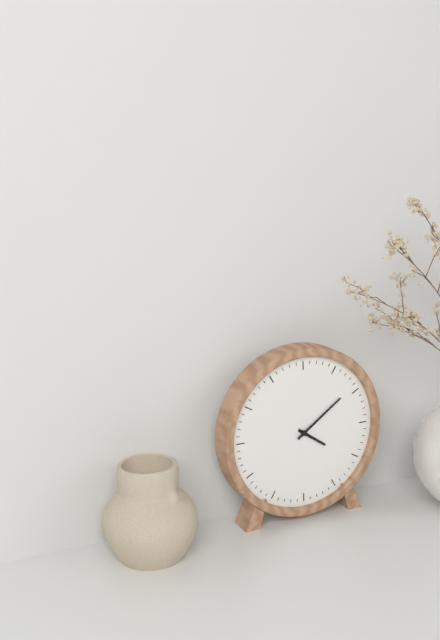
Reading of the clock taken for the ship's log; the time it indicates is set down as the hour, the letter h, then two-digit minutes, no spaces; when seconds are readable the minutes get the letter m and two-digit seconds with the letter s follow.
4h09
